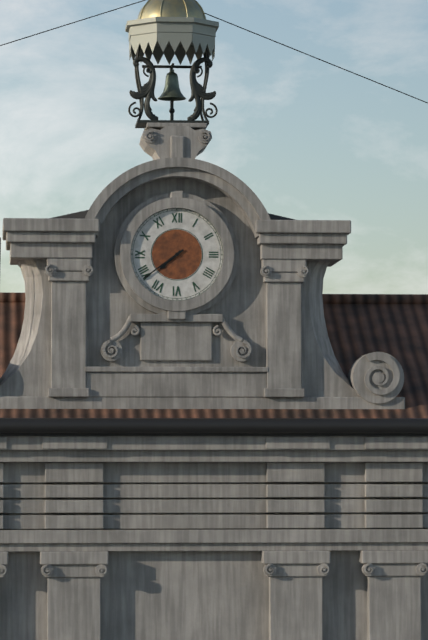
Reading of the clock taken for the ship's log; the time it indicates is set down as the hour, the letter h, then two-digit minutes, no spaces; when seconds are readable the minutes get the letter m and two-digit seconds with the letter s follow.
7h39
